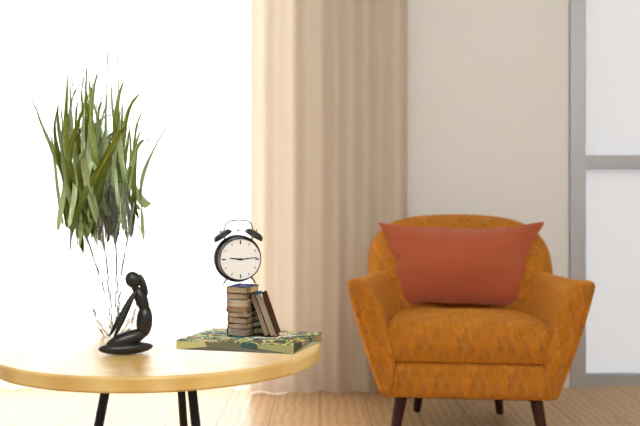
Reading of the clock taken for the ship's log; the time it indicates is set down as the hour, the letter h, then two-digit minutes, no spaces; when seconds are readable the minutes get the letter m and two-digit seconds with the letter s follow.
9h14
